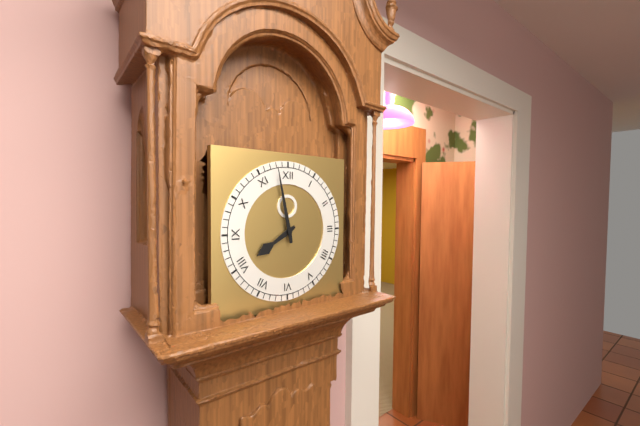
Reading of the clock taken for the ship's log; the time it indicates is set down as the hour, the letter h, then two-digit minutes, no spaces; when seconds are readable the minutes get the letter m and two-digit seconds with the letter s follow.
7h58
